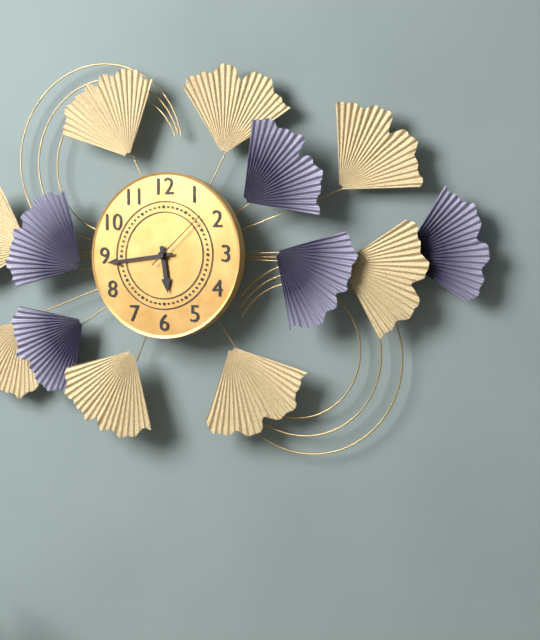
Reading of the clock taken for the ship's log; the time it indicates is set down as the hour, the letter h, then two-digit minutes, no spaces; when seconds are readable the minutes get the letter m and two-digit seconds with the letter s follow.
5h44m08s
